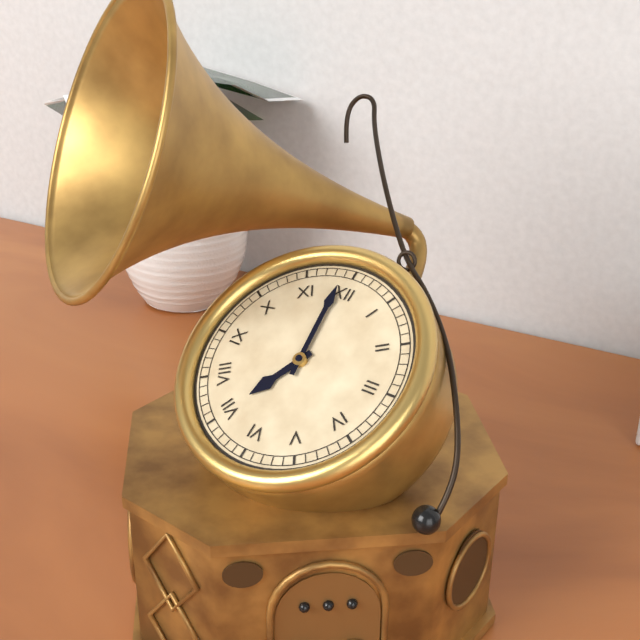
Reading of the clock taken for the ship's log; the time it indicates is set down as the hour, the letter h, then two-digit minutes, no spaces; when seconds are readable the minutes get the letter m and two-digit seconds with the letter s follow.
6h59
